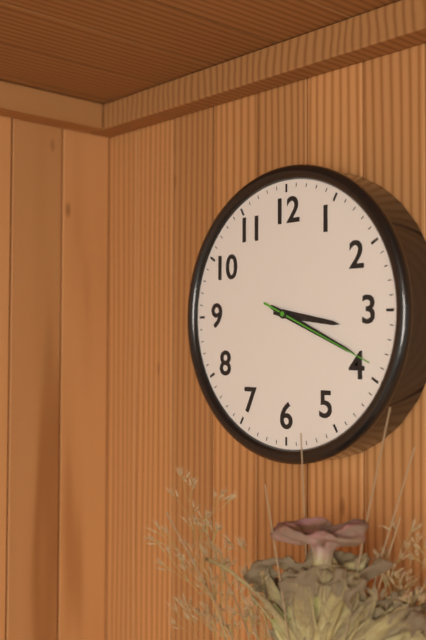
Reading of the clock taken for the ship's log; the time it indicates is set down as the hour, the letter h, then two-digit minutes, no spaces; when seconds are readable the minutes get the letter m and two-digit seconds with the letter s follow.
3h19m19s
